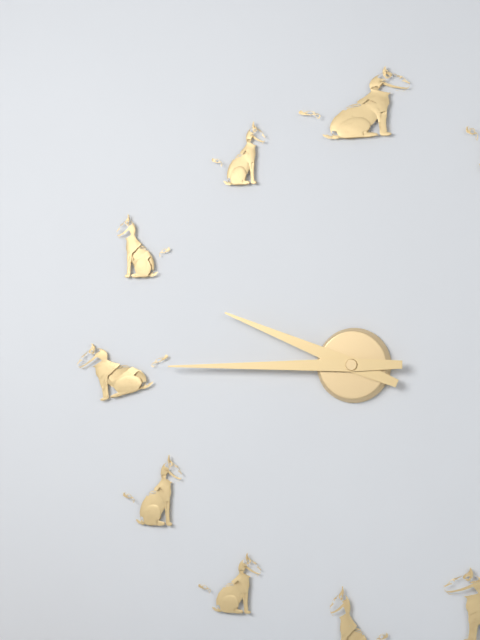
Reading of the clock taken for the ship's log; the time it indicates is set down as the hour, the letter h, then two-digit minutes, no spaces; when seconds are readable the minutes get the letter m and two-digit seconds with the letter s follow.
9h45
